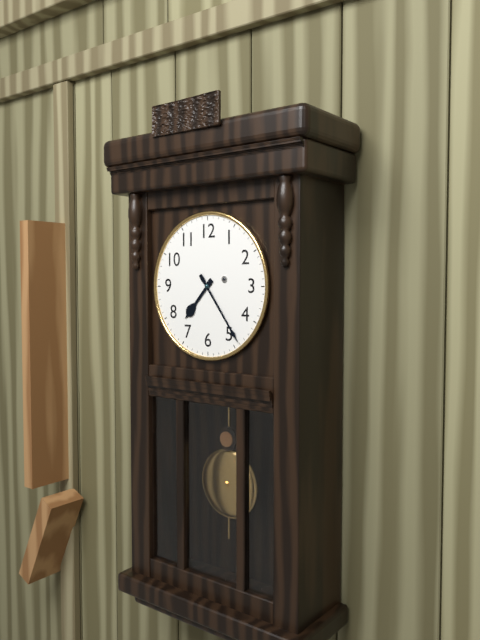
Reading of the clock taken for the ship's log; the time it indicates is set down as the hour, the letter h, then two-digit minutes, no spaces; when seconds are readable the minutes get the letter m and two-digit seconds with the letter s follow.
7h24
